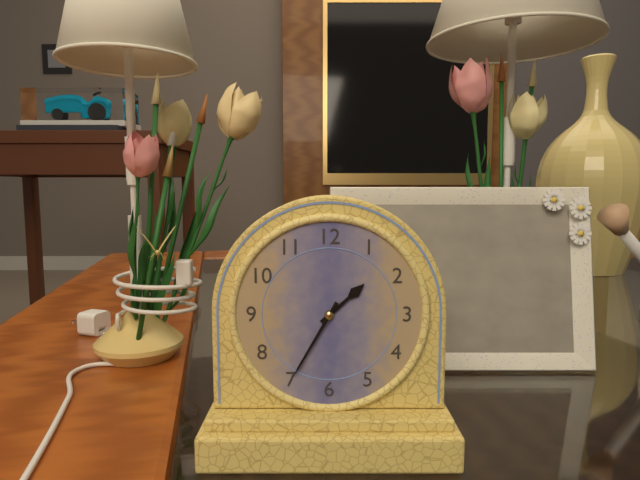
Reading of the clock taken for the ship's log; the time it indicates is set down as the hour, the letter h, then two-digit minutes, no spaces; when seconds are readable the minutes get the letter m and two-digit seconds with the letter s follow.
1h35
